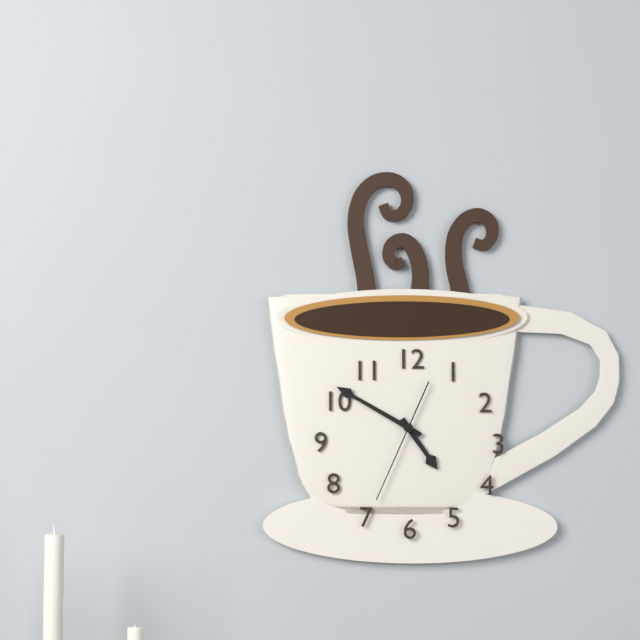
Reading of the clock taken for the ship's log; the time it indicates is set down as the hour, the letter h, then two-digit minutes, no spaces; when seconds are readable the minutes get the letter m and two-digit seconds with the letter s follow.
4h50m34s
